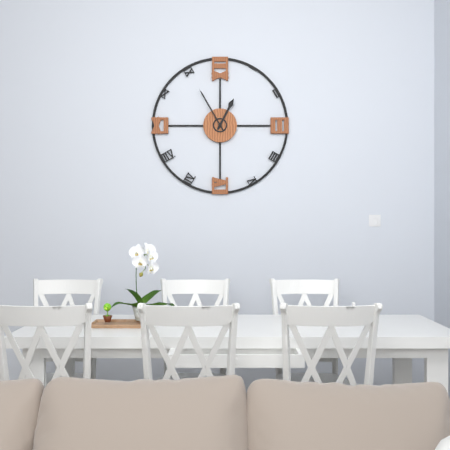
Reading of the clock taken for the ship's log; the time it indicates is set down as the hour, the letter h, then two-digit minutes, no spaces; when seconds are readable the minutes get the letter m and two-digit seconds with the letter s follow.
12h55
